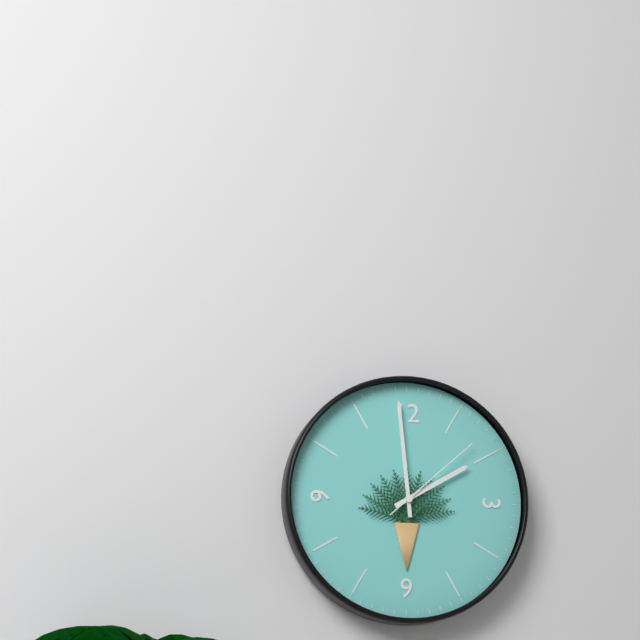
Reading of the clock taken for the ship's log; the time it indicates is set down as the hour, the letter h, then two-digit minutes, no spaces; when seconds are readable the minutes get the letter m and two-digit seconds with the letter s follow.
1h59m08s
